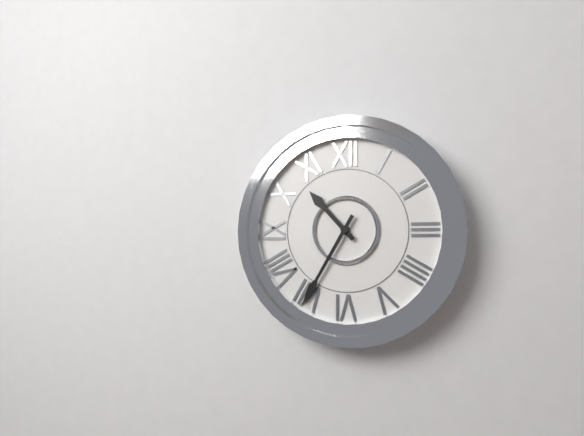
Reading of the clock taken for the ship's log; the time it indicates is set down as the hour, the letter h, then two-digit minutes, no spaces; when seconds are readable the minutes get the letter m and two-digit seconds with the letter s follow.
10h35
